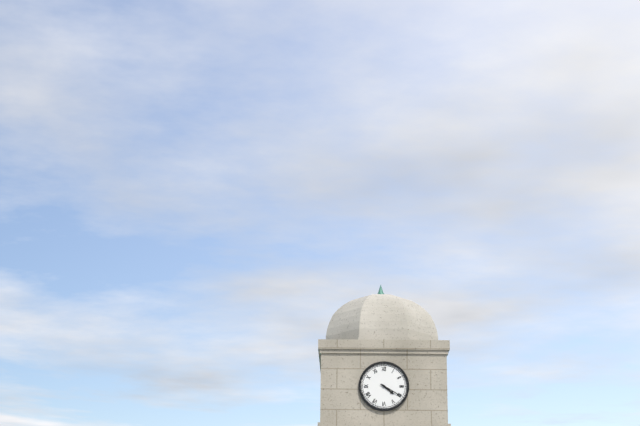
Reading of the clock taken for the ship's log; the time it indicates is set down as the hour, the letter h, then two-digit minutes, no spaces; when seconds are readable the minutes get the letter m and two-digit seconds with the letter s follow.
4h20
